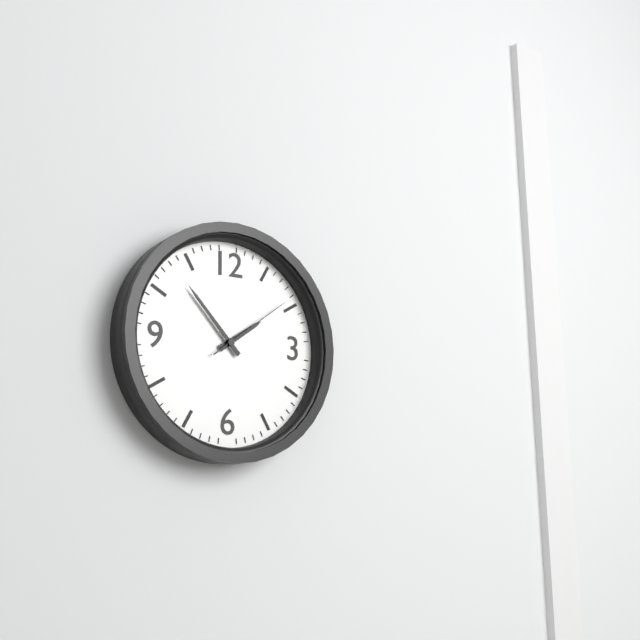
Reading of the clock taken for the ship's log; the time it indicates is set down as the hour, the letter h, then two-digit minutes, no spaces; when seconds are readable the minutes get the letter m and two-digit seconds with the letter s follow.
1h53m09s
